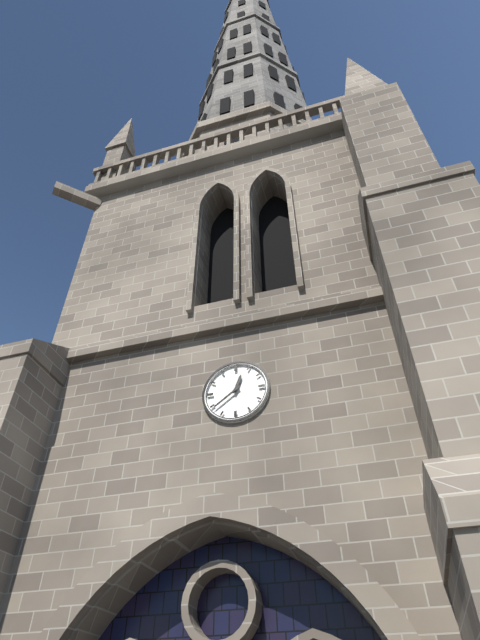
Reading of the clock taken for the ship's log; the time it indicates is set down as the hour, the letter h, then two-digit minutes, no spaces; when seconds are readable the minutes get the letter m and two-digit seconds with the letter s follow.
12h39
